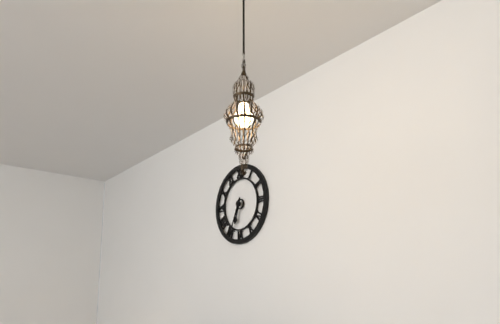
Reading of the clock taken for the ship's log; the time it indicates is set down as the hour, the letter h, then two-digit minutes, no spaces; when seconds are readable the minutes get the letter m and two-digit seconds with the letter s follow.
6h34
